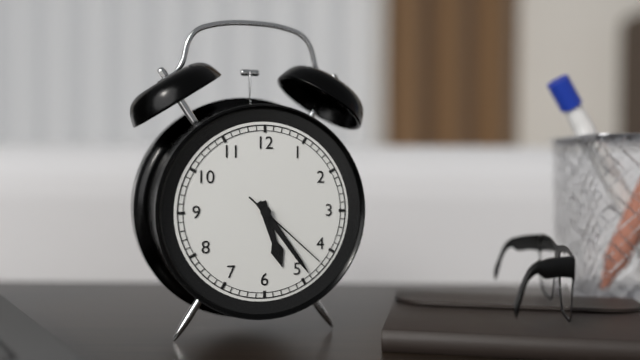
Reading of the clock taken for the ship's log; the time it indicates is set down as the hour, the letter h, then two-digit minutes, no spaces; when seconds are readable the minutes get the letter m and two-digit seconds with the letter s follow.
5h24m22s
